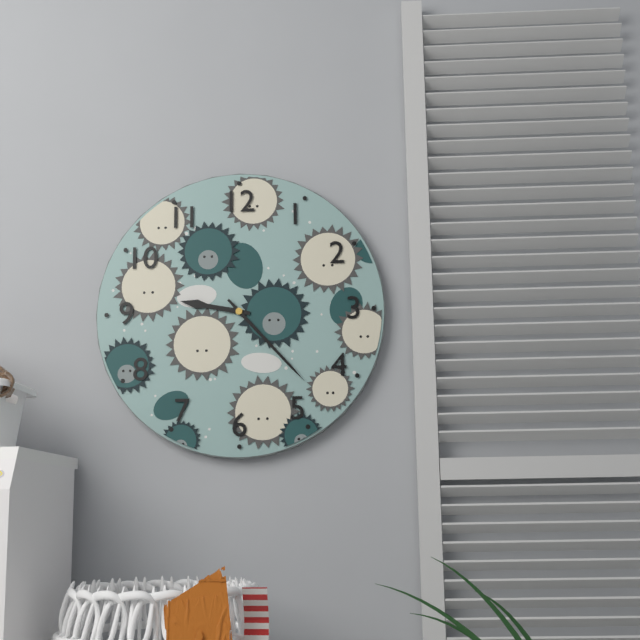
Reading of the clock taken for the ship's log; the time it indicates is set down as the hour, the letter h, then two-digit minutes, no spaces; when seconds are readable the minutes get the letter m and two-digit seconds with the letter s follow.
9h23
